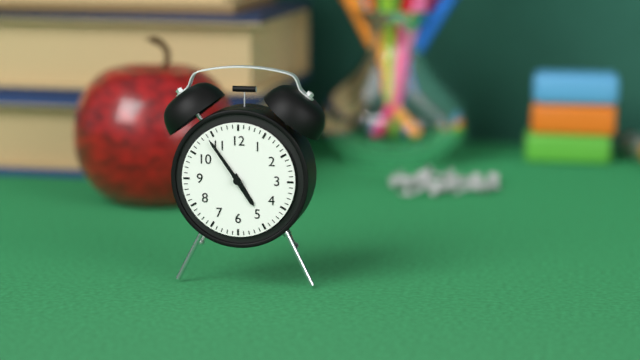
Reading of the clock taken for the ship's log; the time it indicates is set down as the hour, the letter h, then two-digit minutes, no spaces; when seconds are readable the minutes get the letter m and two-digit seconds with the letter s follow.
4h54
